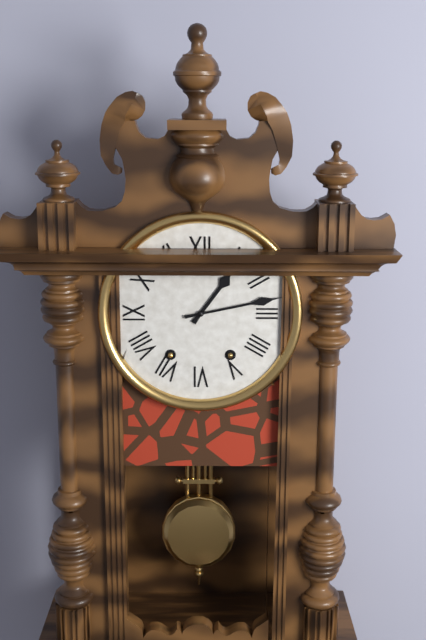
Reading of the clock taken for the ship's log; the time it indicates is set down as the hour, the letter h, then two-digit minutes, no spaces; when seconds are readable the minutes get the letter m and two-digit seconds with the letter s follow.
1h13
